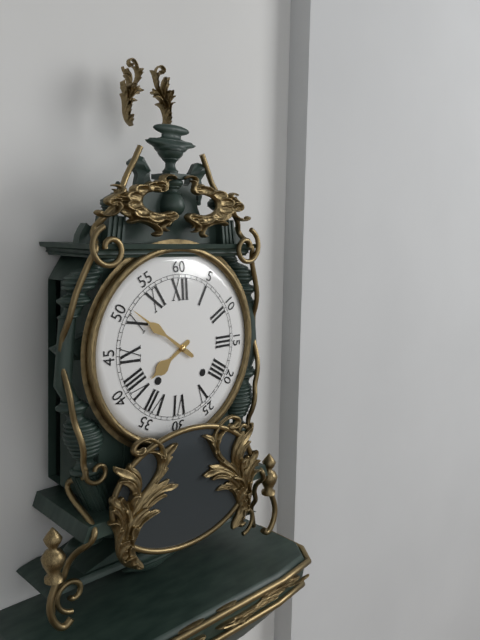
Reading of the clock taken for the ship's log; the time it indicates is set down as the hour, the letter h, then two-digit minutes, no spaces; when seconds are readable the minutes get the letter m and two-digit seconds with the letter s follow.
7h51
